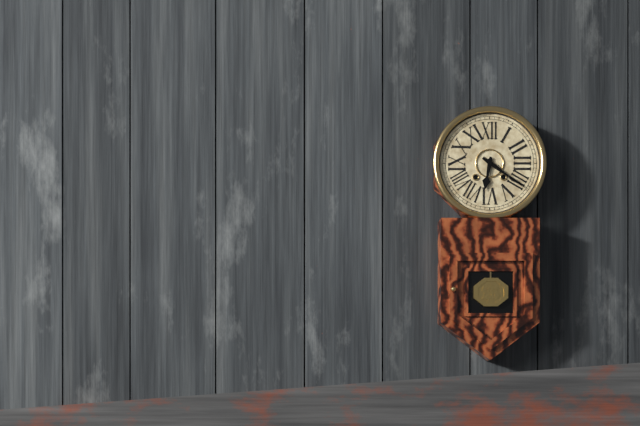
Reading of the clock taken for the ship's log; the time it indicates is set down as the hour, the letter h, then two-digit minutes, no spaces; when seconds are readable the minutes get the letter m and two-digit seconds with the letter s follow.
6h21
